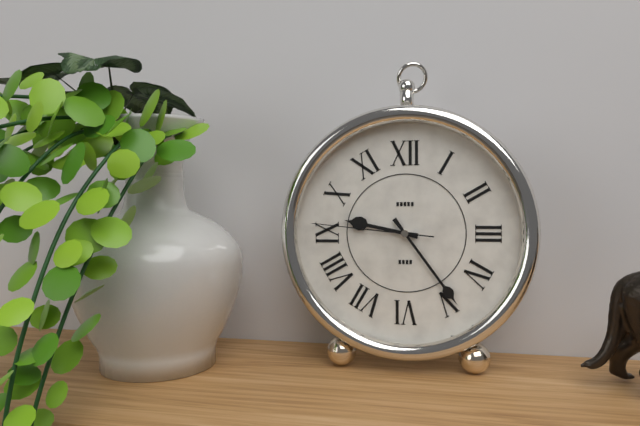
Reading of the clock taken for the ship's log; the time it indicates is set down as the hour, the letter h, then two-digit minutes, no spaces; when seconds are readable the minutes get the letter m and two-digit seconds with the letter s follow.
9h24m46s
